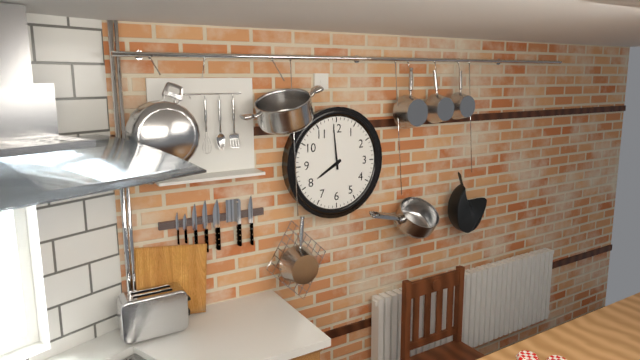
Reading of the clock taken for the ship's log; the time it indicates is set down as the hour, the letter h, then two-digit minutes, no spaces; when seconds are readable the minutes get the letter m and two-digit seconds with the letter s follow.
7h59
